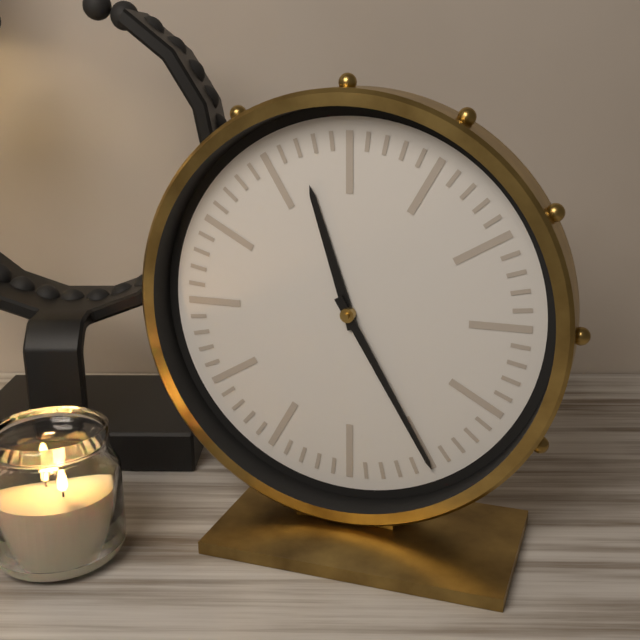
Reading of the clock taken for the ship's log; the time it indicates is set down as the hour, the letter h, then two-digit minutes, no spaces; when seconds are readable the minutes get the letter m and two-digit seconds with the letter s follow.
11h25
